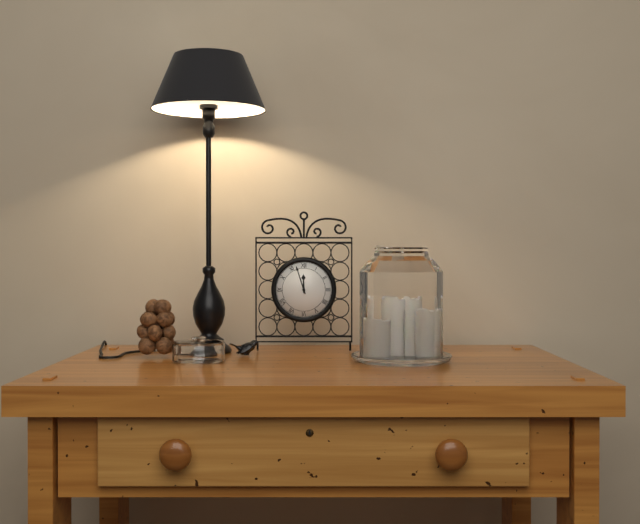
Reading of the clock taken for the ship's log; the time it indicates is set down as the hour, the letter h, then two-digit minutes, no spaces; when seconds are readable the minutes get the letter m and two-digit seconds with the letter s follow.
11h57
